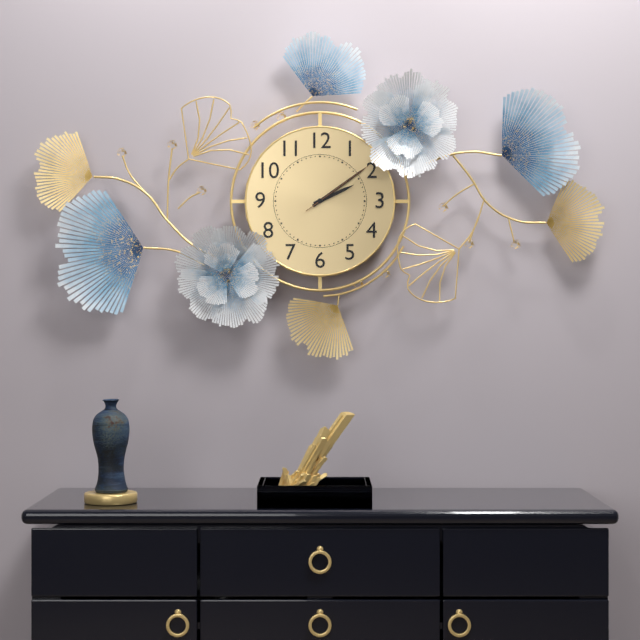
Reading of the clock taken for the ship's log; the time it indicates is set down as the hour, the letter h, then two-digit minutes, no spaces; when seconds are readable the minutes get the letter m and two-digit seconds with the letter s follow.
2h09m09s
